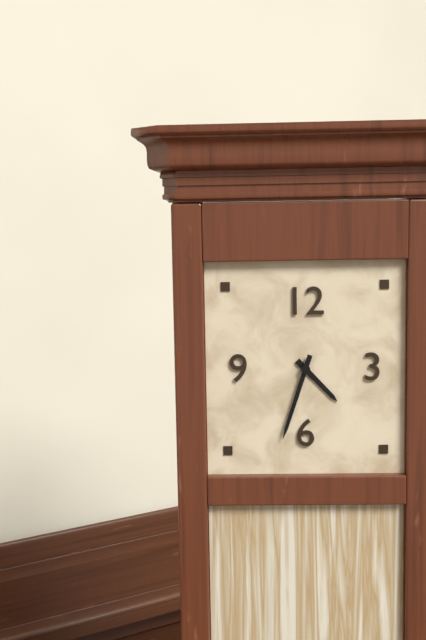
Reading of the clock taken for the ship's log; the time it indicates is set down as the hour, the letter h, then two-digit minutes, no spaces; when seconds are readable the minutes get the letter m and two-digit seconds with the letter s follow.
4h33
